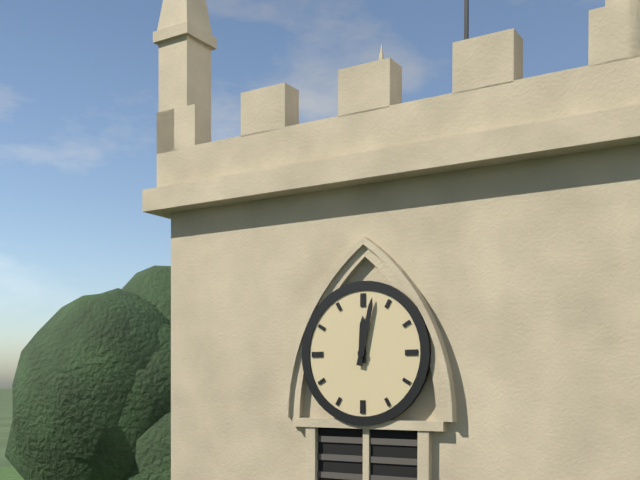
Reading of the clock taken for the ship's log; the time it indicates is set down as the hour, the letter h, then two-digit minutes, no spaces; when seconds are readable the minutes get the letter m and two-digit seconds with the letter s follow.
12h02
